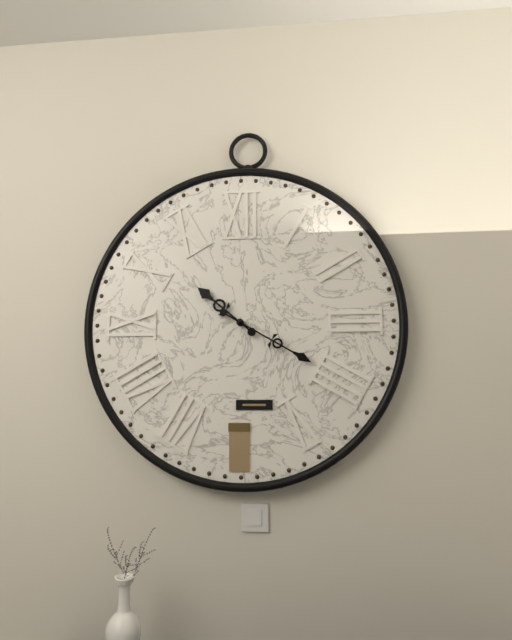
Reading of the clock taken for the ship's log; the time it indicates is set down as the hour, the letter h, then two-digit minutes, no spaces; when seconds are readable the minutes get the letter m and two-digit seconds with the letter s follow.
10h20
